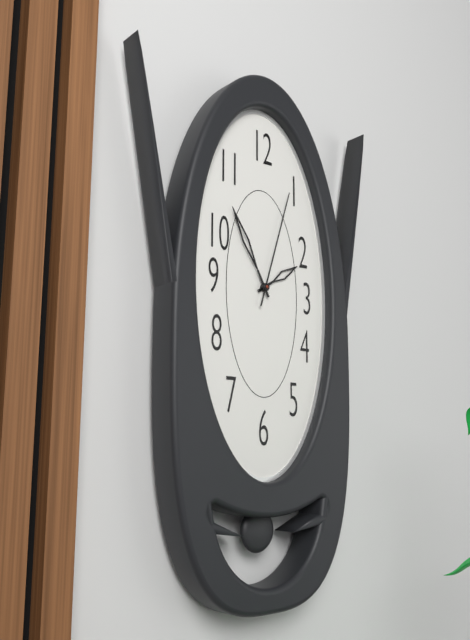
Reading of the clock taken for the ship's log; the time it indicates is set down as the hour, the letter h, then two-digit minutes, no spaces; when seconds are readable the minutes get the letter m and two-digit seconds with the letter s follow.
1h55m03s
